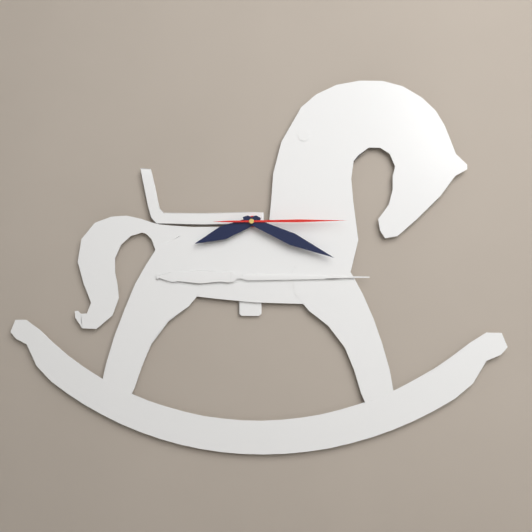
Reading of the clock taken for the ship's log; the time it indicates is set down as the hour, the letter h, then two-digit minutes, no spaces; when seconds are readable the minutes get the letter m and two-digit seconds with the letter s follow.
8h19m15s
